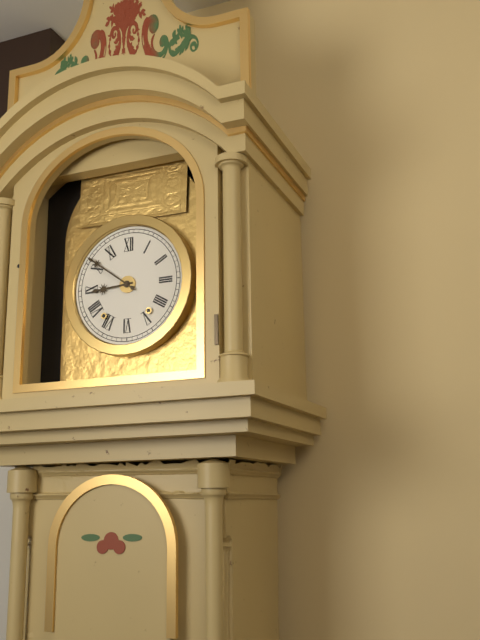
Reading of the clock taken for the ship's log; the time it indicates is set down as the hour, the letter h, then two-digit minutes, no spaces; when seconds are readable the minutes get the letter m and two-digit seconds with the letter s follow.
8h51
